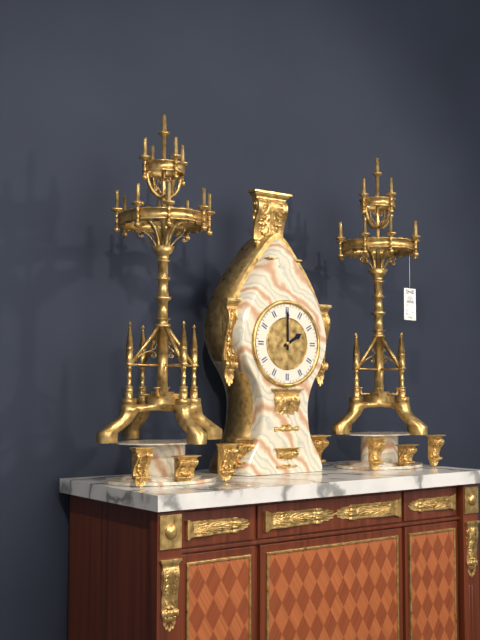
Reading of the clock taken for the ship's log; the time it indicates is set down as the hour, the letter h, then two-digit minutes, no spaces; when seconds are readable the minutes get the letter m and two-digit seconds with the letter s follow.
2h00
